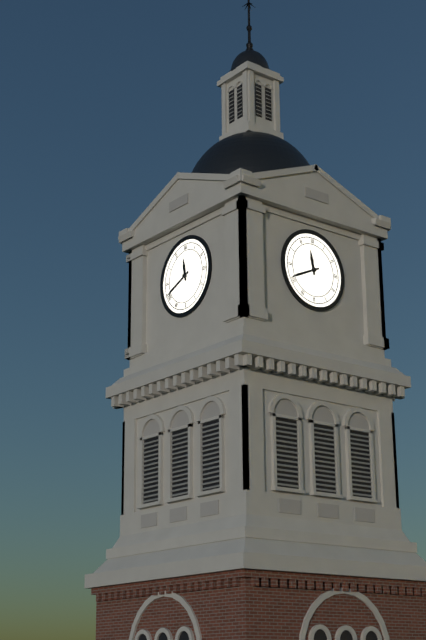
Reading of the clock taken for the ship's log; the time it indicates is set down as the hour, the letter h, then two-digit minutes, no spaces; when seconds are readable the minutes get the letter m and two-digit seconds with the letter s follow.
11h41
